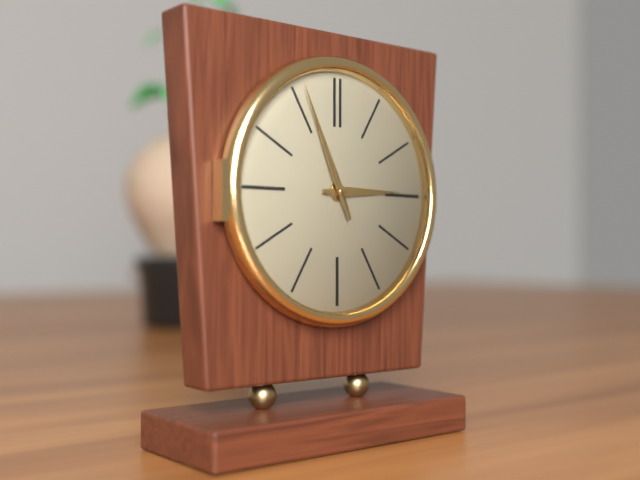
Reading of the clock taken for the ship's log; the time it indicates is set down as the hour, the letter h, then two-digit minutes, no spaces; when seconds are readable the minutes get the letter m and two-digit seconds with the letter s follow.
2h56
